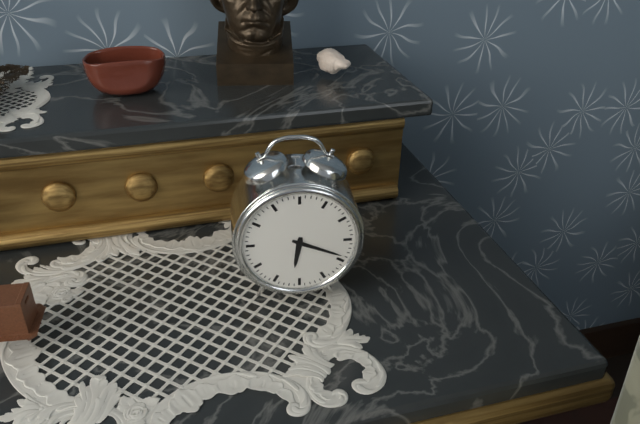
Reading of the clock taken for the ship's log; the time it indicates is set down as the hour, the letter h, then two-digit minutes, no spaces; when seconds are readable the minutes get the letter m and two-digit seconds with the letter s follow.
6h19
